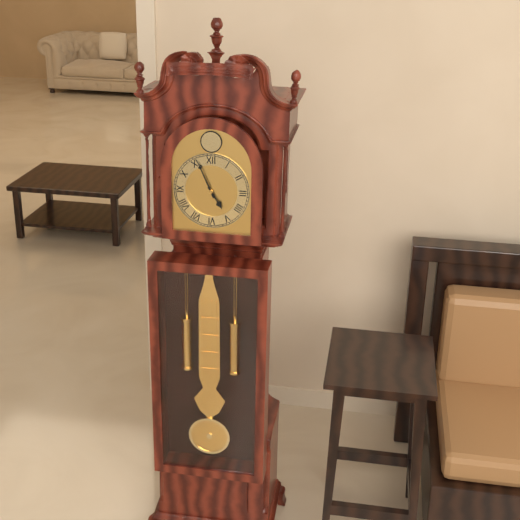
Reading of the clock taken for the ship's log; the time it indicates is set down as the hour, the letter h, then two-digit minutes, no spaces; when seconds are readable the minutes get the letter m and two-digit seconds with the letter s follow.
4h56
